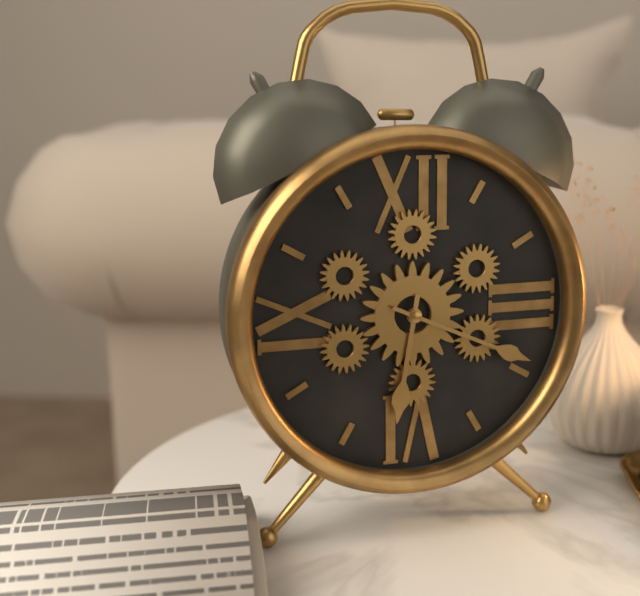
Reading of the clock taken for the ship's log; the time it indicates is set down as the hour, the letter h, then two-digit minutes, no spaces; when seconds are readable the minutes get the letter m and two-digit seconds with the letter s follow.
6h19
